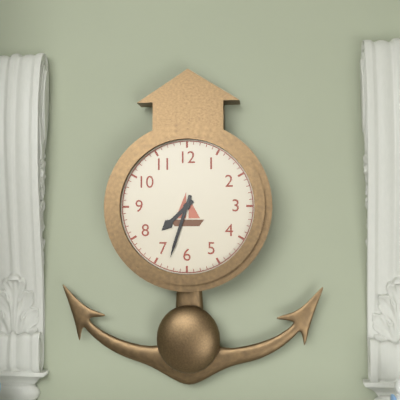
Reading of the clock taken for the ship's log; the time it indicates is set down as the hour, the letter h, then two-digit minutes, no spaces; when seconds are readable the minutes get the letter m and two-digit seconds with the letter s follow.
7h33
